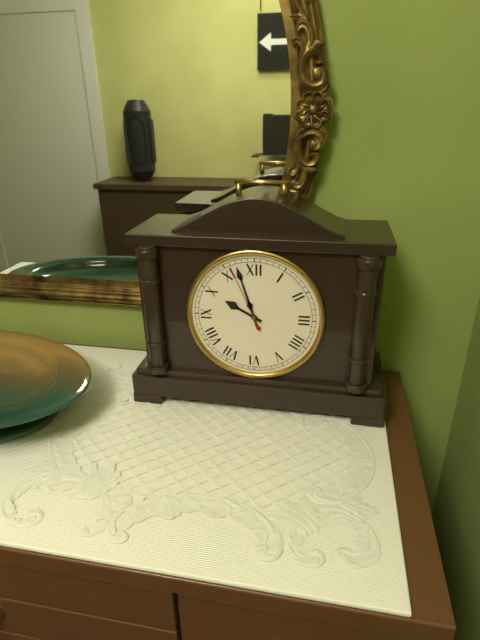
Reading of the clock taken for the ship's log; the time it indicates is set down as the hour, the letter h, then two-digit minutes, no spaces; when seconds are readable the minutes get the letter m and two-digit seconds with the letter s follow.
9h57m56s
